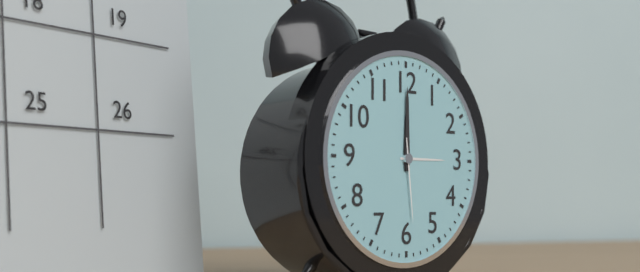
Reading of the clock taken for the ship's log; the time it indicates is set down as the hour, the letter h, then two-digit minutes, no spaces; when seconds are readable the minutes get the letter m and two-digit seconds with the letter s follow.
12h00m29s
